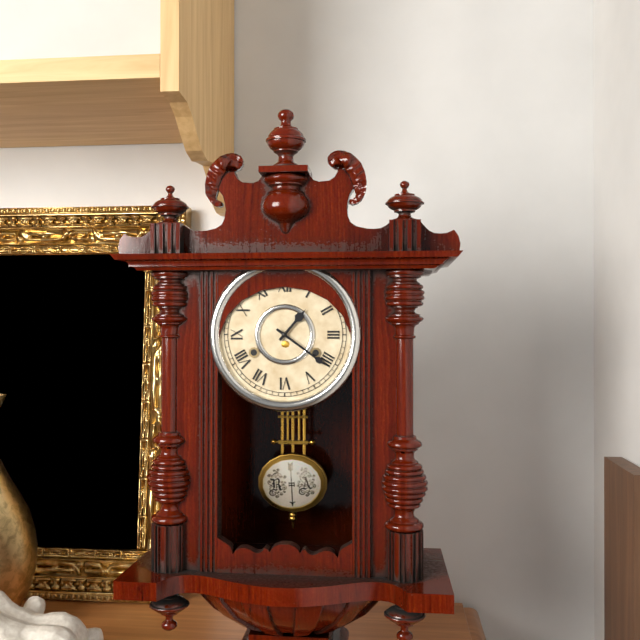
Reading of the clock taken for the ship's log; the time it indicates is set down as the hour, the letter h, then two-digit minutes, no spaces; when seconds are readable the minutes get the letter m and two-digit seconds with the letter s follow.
1h21
